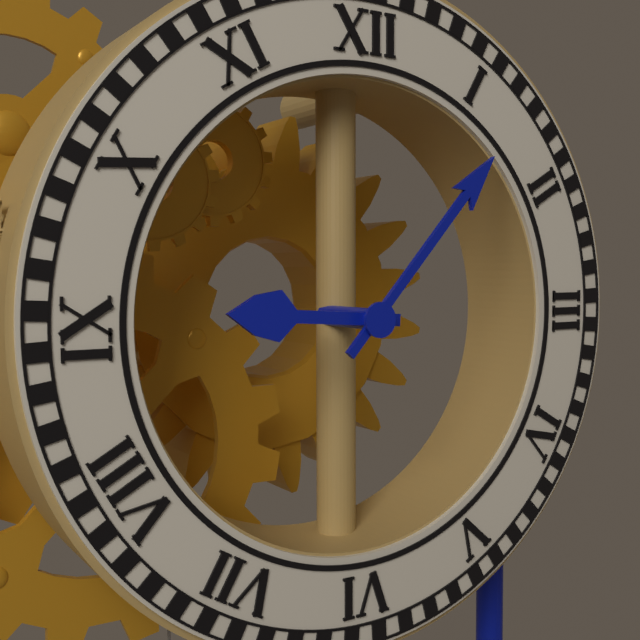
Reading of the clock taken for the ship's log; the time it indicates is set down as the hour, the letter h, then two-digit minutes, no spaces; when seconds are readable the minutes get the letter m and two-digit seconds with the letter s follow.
9h07
